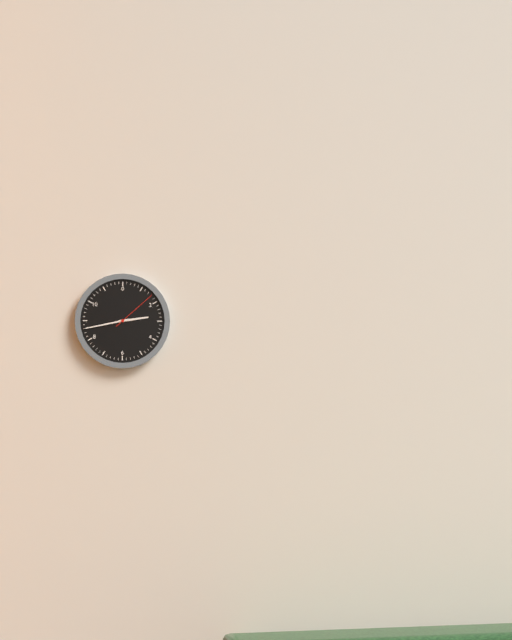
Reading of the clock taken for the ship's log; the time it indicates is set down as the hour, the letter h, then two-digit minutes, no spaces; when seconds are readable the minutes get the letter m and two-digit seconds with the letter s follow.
2h43
